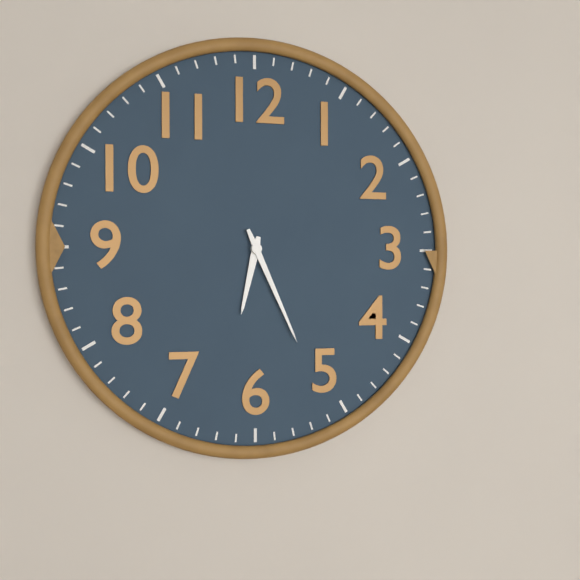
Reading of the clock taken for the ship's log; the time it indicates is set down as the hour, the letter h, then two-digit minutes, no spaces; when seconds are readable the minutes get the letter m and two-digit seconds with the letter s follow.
6h26
